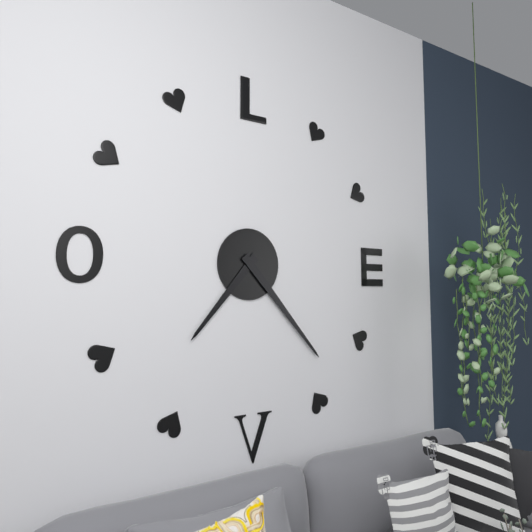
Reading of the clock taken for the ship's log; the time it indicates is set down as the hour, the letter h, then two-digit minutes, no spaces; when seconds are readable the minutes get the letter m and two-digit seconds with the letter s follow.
7h23
